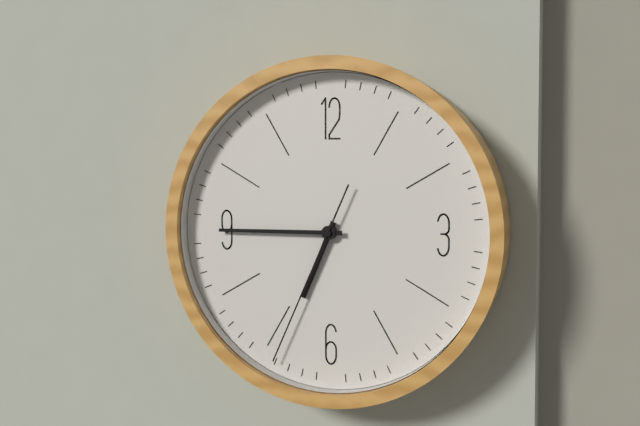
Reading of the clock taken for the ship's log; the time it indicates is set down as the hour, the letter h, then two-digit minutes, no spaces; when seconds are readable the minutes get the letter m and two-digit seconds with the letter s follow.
6h45m34s
